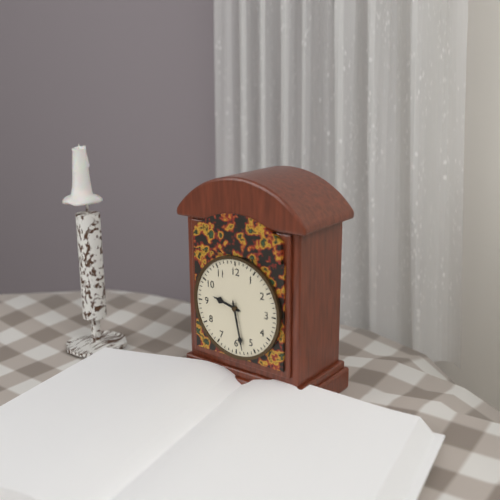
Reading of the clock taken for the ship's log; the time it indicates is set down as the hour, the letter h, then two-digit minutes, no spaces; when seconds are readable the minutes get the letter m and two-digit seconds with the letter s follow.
9h28
